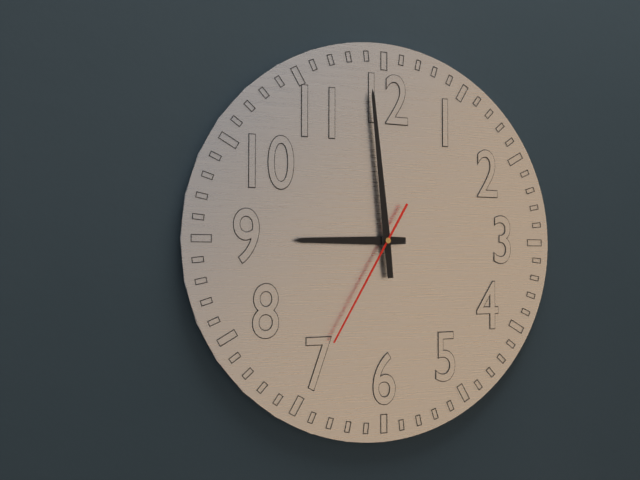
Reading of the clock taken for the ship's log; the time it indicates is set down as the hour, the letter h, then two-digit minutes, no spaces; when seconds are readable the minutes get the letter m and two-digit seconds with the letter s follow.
8h59m35s
